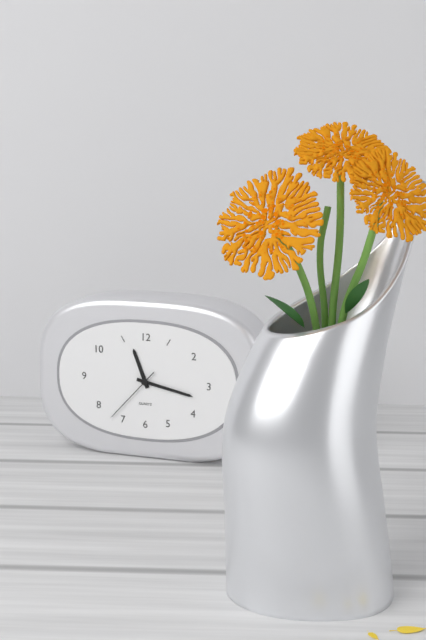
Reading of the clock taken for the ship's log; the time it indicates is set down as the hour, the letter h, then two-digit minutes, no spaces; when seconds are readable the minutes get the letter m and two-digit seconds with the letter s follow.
11h17m37s
